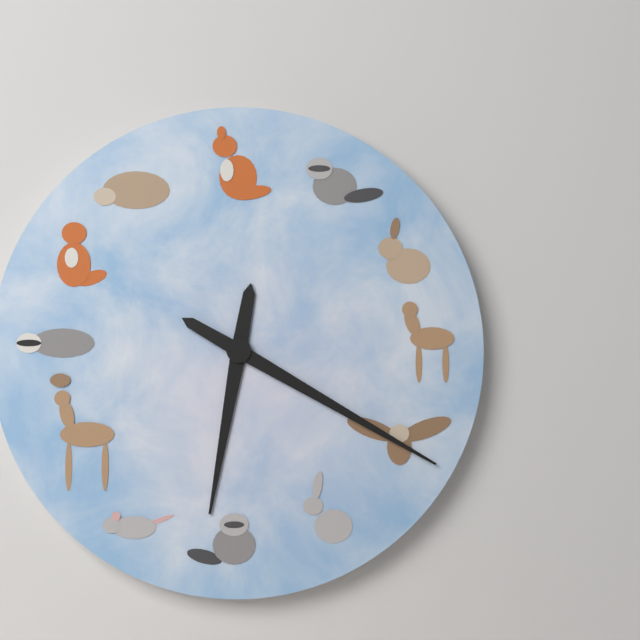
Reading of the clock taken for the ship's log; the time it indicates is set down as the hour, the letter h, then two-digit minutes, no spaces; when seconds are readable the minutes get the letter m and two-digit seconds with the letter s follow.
6h20
